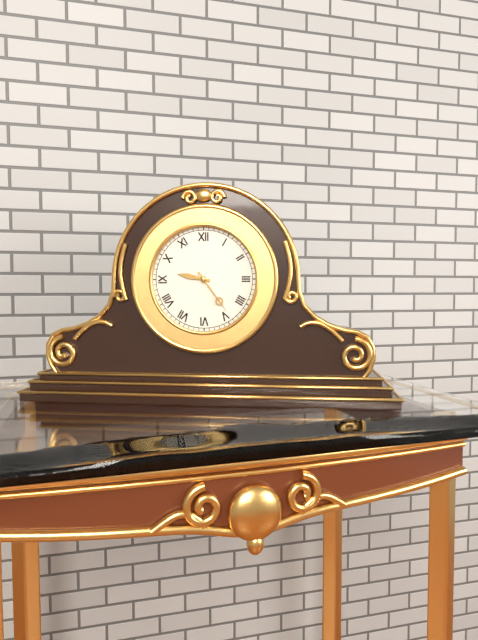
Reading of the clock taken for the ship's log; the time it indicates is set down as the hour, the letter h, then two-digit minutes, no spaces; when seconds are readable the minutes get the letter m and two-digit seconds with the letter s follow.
9h24
